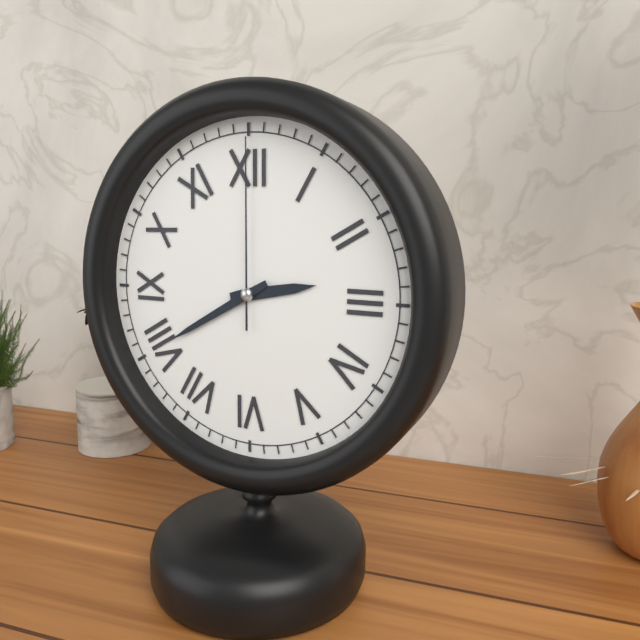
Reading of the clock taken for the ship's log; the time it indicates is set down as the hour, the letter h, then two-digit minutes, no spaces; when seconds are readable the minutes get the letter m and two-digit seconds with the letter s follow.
2h40m00s
